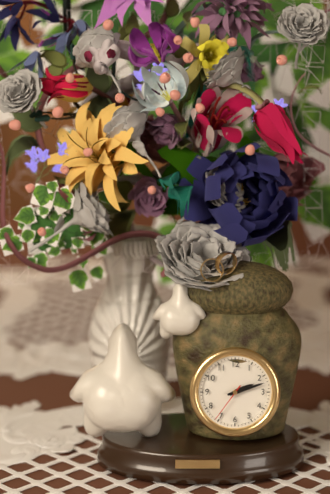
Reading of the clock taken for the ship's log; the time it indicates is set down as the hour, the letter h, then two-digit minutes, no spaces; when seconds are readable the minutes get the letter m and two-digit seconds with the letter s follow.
2h12
